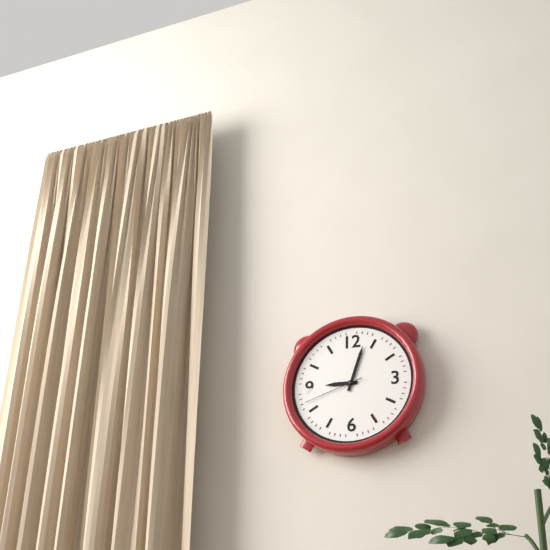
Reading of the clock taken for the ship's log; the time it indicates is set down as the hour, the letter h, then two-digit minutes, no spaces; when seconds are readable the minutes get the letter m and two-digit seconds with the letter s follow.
9h03m42s
